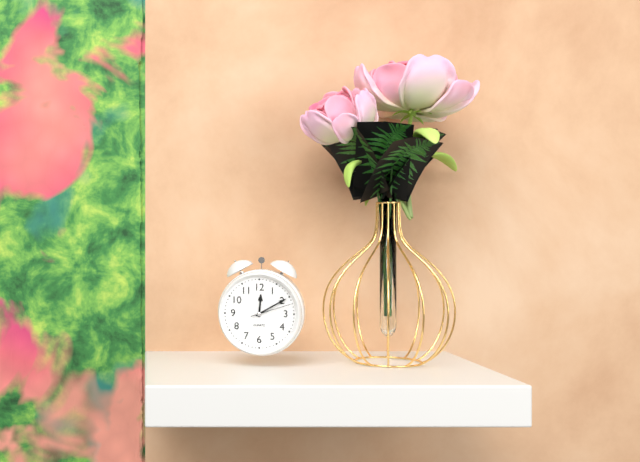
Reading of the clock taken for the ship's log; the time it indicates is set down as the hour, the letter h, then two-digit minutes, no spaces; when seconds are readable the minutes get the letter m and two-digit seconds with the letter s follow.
12h10
